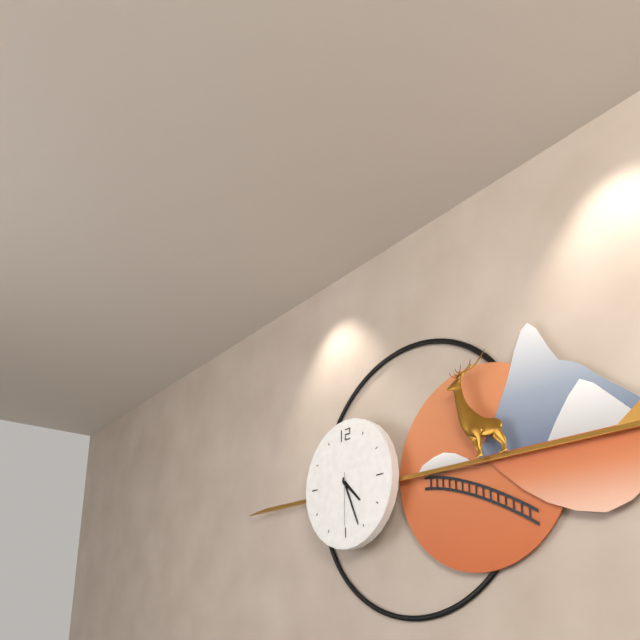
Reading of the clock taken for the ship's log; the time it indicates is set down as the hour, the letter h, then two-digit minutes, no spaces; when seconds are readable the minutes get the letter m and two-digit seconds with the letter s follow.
4h26m30s
